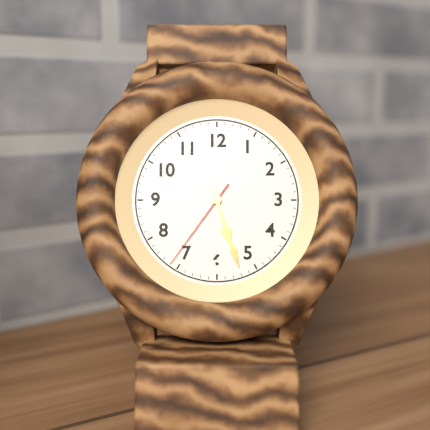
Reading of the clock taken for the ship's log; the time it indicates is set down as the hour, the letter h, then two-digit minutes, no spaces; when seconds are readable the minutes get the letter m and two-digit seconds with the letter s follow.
5h27m36s
